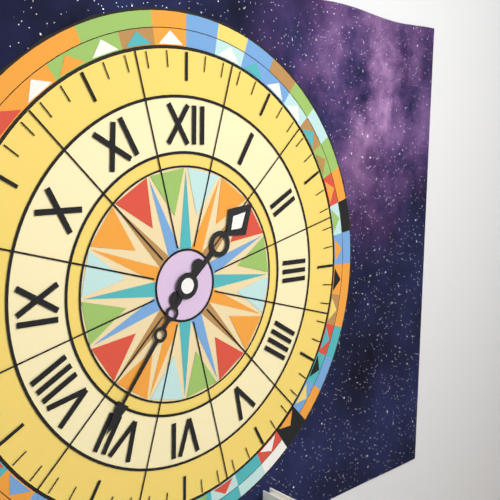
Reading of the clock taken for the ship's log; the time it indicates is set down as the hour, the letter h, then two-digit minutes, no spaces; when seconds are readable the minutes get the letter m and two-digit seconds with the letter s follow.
1h36
